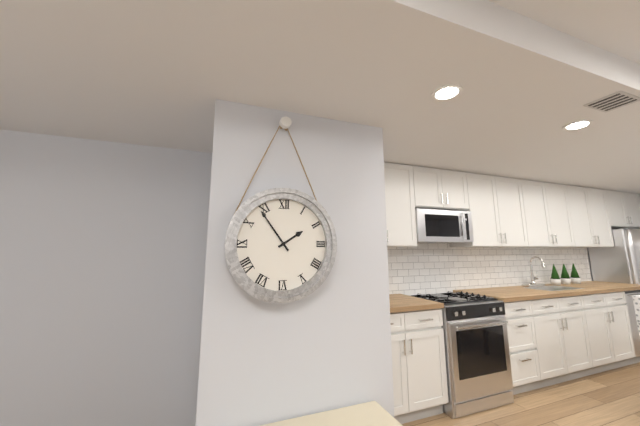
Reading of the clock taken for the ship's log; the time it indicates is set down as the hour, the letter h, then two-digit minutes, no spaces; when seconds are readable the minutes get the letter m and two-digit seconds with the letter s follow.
1h54
